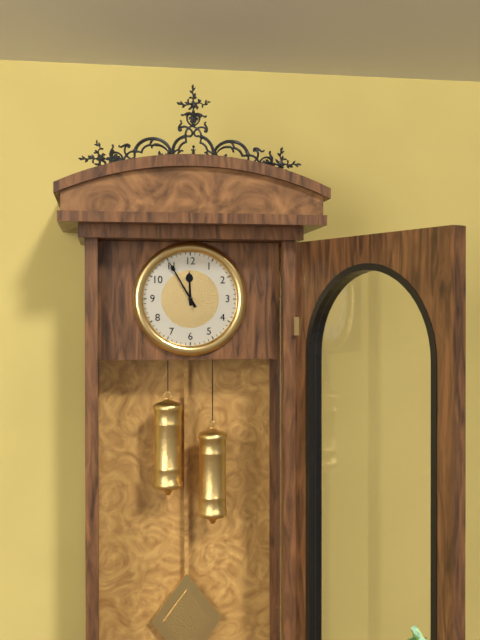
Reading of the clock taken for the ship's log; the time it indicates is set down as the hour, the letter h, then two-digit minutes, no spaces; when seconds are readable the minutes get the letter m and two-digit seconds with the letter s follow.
11h55
